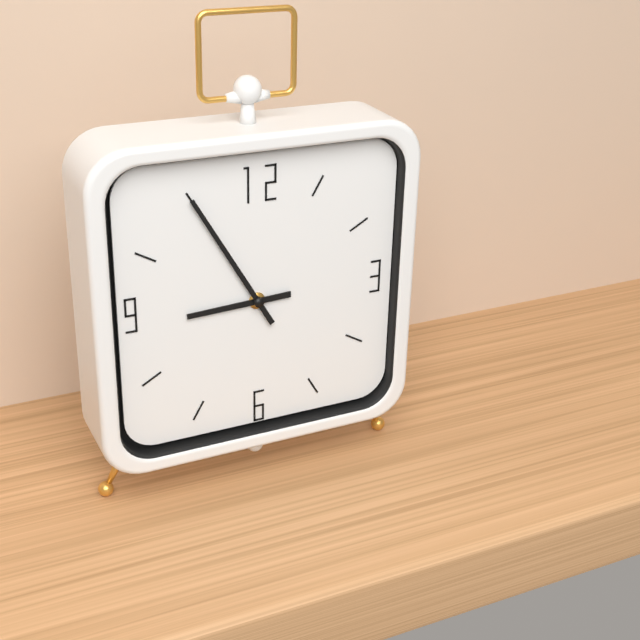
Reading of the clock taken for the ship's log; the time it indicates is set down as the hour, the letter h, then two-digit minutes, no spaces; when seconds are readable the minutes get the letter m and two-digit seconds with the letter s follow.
8h55
